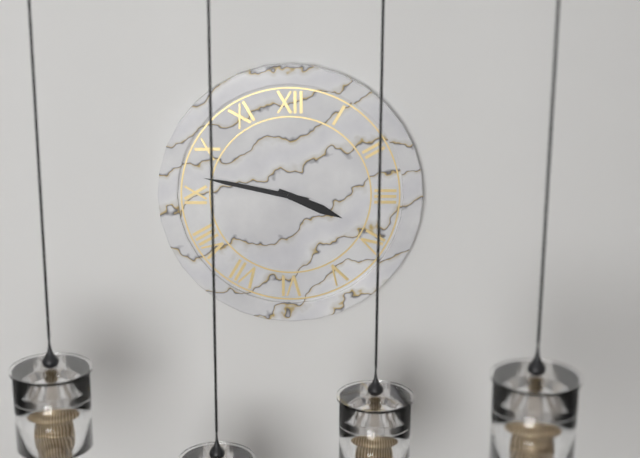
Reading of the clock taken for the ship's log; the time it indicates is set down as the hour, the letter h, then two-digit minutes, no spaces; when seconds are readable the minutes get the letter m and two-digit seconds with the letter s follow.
3h47
